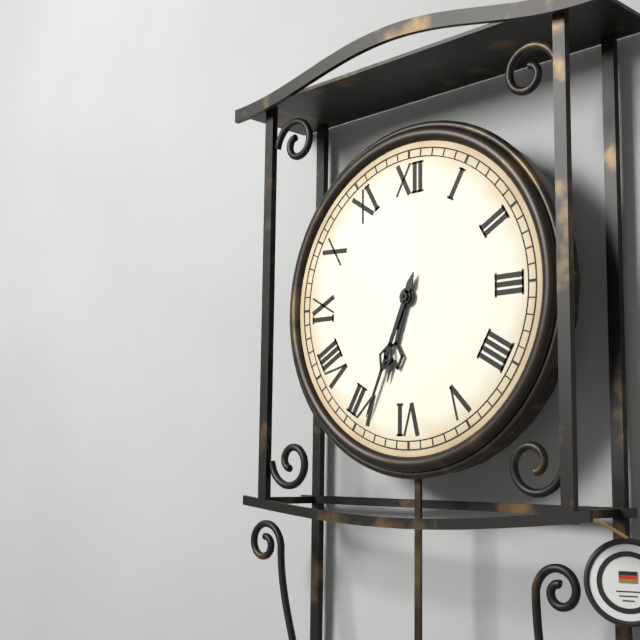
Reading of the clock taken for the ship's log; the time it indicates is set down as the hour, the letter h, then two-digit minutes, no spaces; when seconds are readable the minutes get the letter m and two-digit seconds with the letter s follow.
6h34
